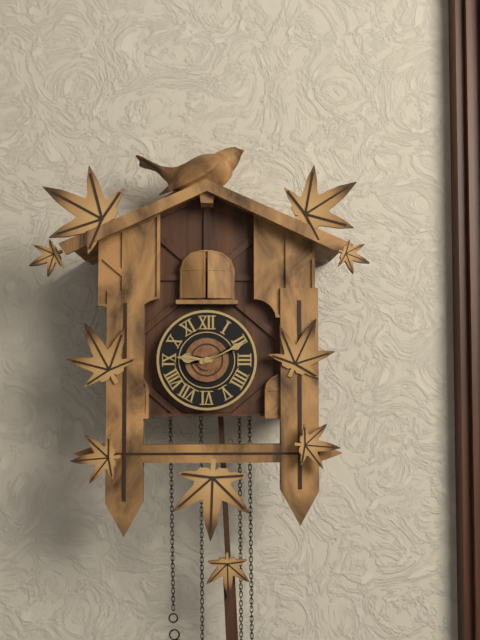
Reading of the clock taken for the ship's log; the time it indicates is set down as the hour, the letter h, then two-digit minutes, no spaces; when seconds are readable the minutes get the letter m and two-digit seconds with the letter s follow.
9h11
